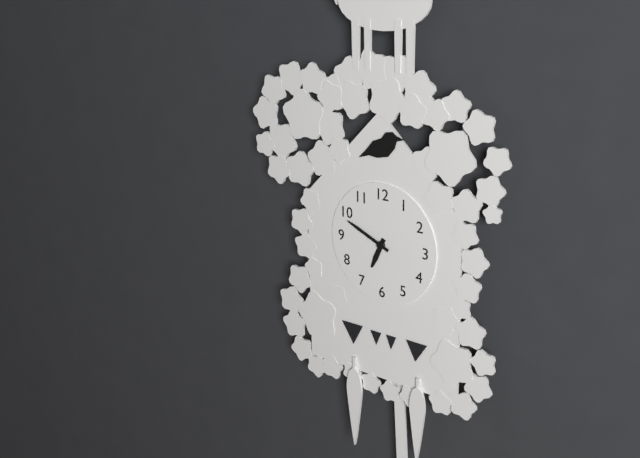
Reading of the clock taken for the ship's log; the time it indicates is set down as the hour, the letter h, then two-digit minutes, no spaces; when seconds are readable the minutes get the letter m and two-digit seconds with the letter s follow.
6h49
